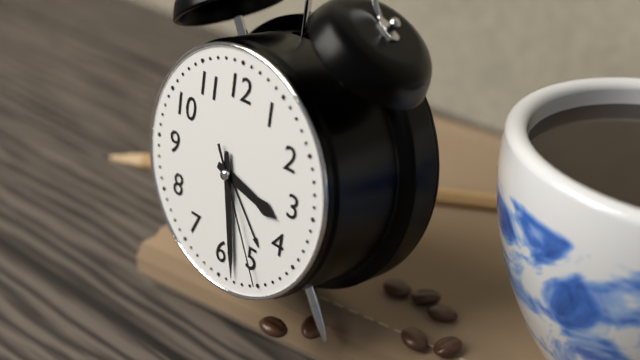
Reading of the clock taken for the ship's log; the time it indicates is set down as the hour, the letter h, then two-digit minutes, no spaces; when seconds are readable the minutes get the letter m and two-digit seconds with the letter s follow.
3h28m25s
